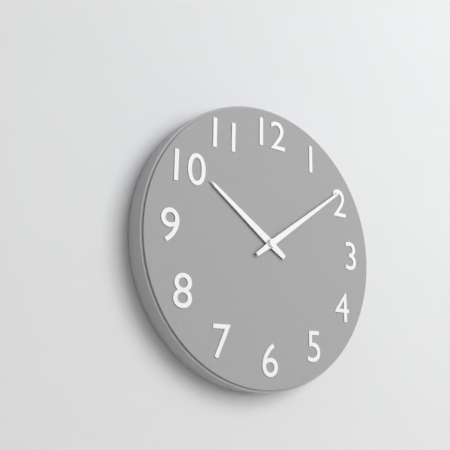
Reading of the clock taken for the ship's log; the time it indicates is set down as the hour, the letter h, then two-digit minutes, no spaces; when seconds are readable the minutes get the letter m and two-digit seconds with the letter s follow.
10h09
